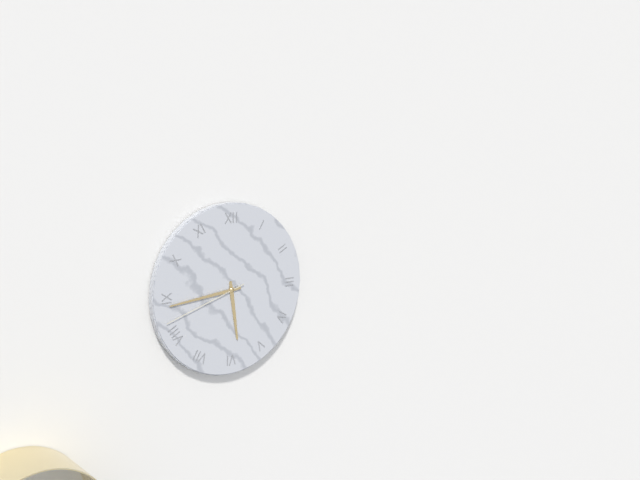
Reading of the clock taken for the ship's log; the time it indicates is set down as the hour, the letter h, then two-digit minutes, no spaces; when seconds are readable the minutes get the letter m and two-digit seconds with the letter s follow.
5h44m42s
